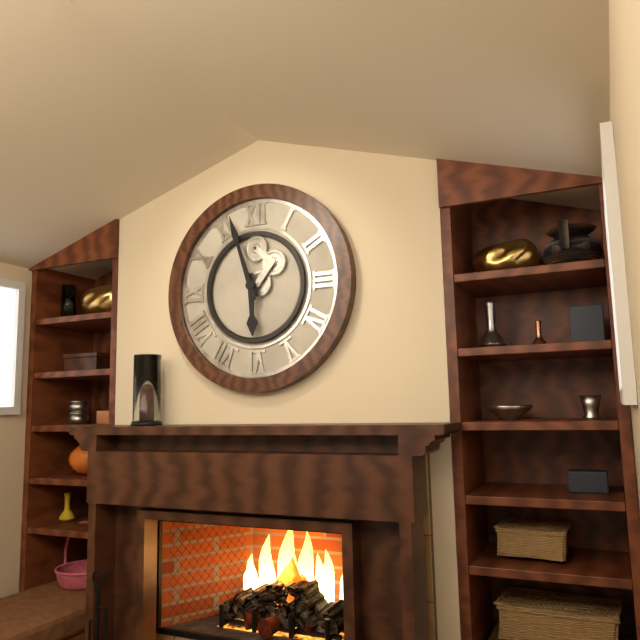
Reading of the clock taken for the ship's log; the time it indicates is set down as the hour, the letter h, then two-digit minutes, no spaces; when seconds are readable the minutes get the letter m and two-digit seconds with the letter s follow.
5h57
